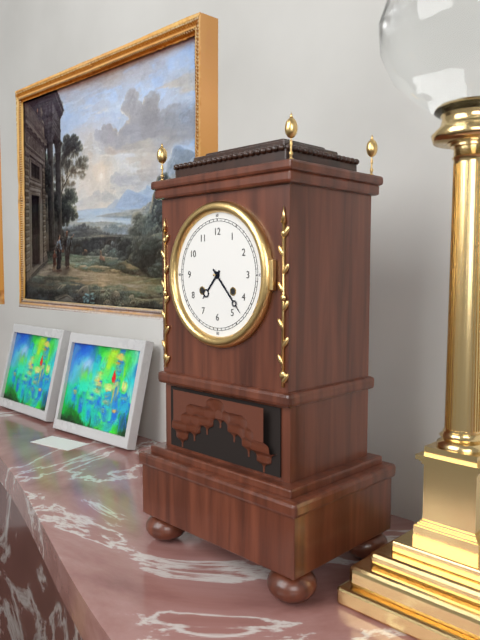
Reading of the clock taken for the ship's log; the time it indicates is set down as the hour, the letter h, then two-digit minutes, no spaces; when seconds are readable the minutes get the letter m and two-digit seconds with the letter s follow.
7h23
